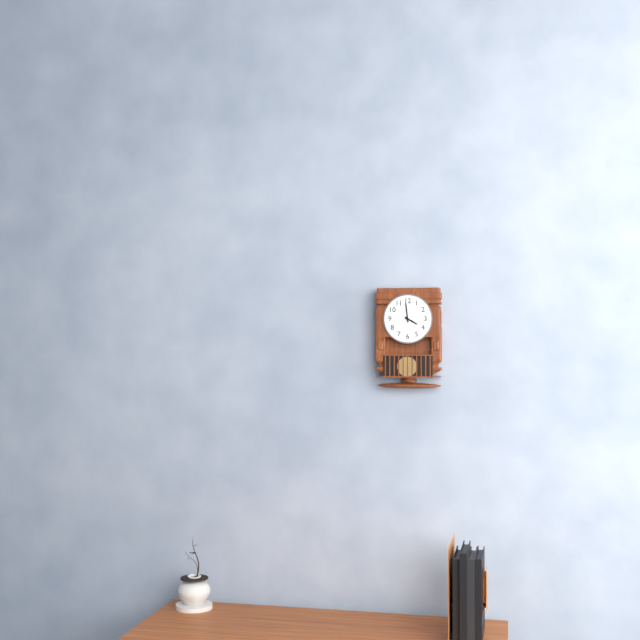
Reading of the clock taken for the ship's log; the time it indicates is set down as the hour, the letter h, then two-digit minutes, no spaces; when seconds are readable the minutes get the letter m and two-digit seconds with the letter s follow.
3h59
